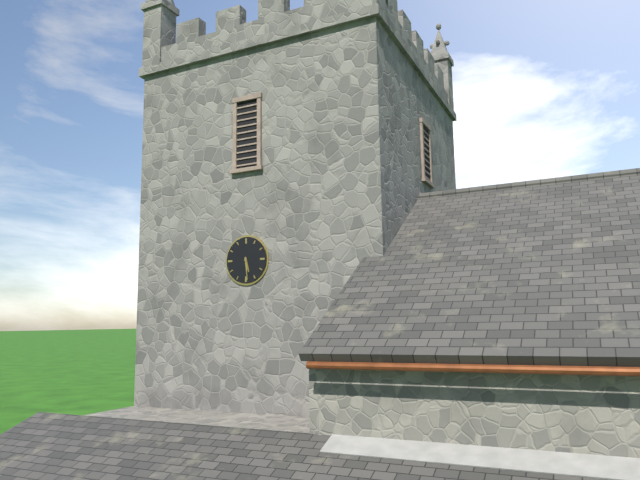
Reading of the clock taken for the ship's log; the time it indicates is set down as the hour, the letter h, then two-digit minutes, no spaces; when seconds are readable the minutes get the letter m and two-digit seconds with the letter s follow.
5h29
